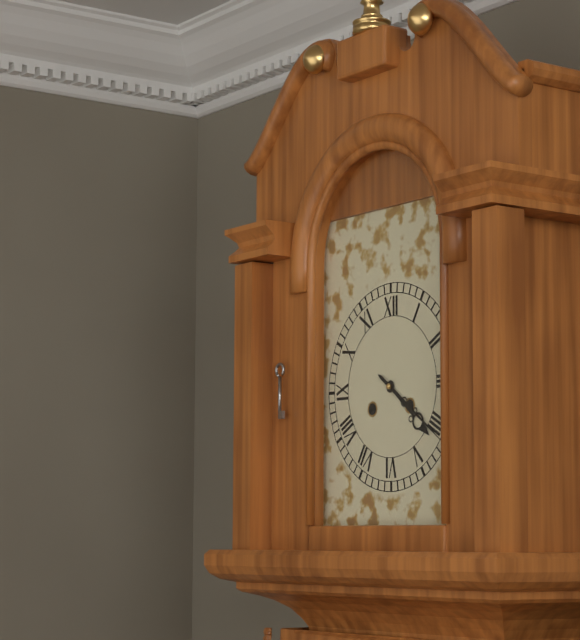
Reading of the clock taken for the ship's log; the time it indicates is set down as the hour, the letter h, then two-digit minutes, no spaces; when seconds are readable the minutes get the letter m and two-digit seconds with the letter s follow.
4h21
